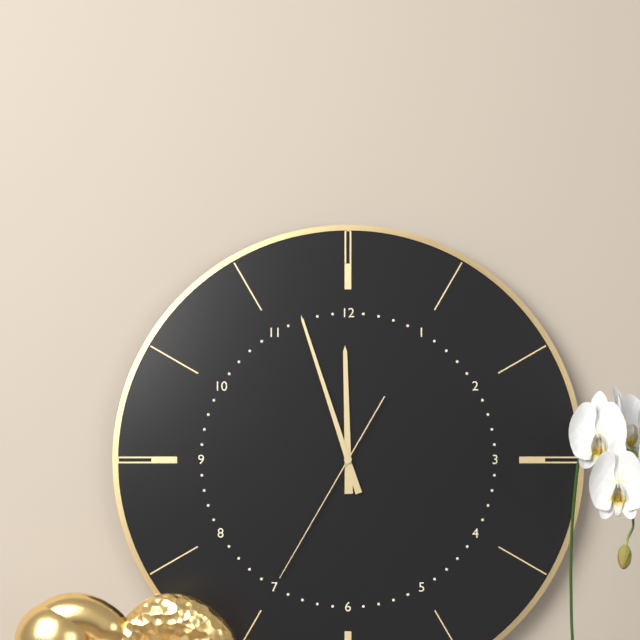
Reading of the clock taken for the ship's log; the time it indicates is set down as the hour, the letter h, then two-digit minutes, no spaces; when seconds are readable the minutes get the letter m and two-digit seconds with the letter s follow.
11h57m35s
